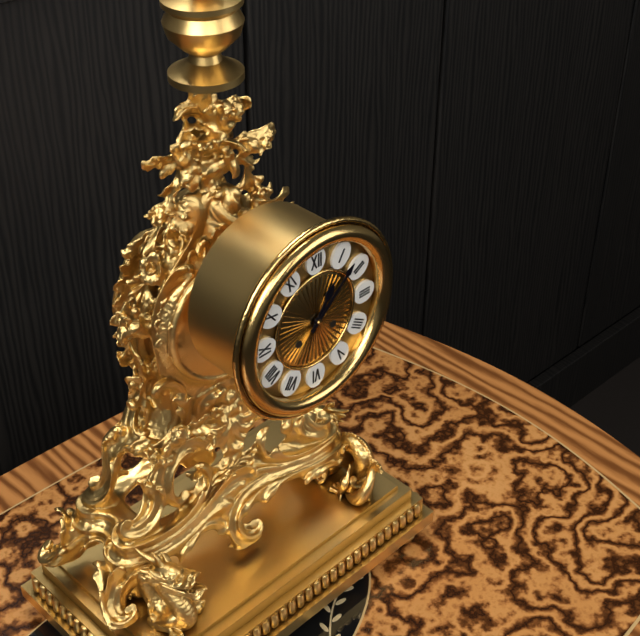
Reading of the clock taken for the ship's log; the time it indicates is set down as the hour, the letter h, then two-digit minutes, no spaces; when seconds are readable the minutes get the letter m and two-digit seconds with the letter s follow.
1h08
